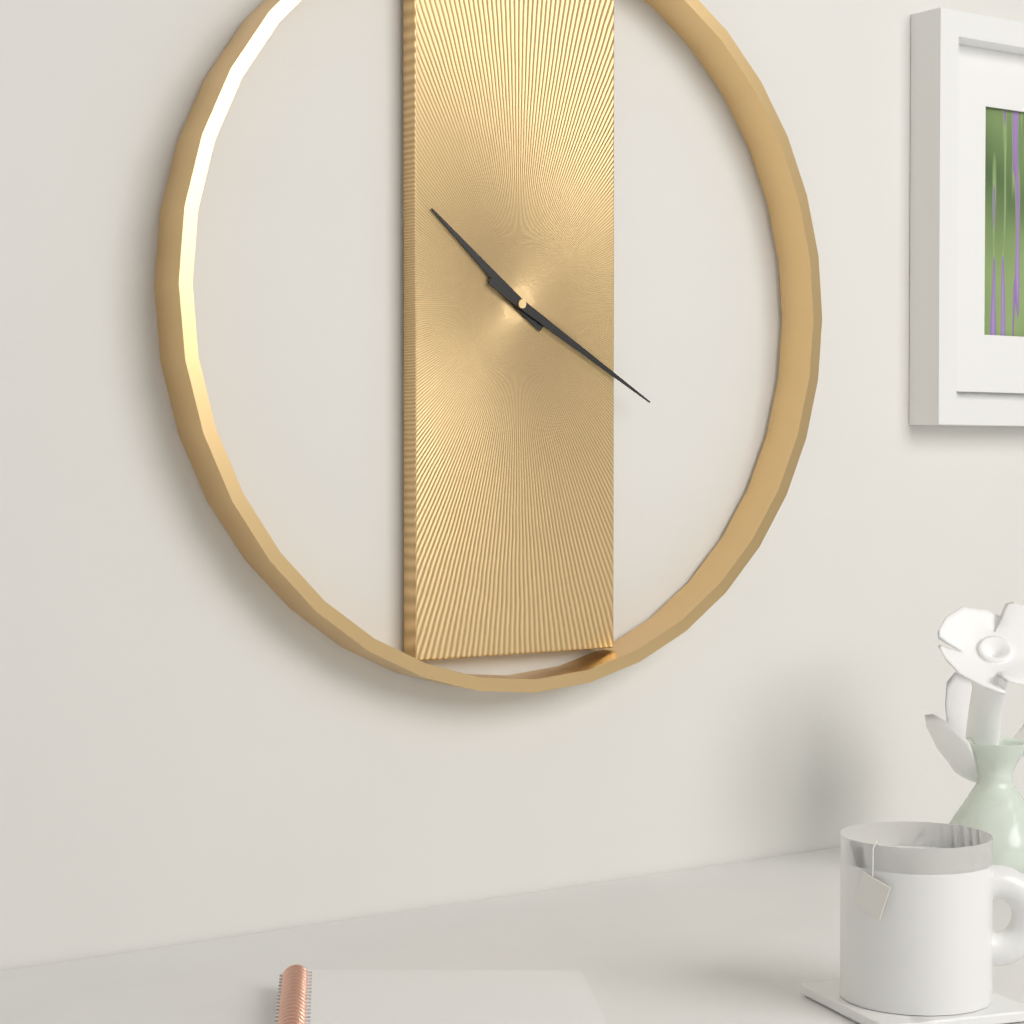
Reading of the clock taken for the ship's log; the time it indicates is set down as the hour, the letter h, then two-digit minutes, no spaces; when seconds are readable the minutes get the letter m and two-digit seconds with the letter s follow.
10h20
